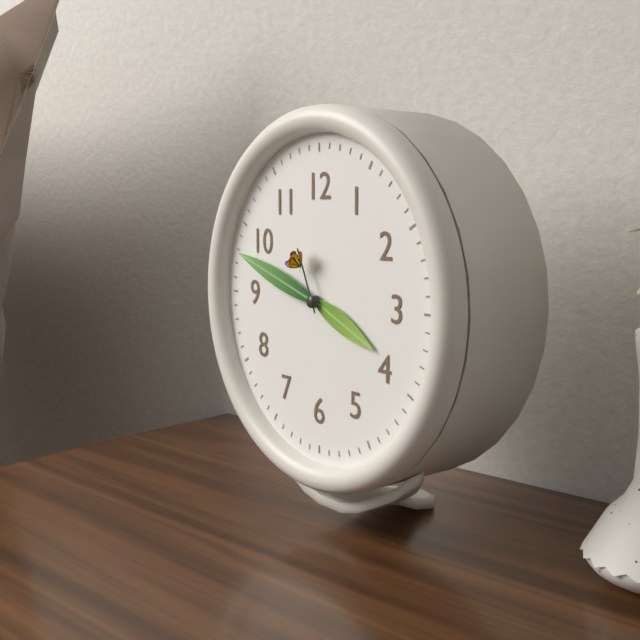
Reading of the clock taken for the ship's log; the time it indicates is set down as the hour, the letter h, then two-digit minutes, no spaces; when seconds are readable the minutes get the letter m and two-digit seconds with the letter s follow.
3h48m56s
